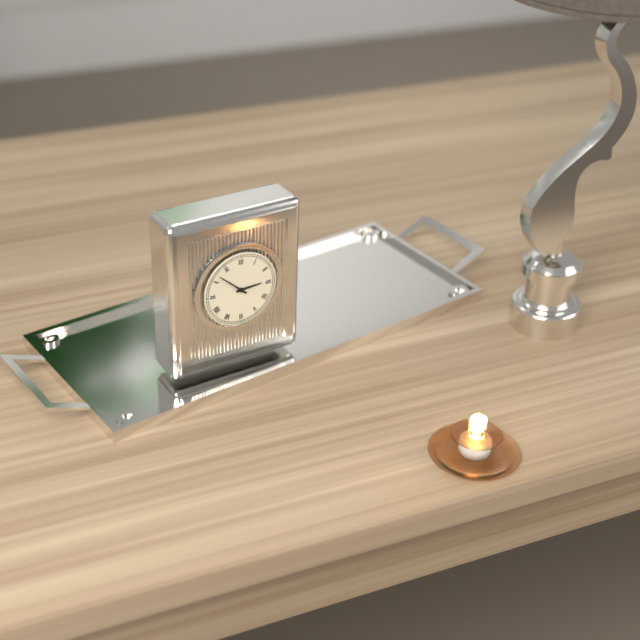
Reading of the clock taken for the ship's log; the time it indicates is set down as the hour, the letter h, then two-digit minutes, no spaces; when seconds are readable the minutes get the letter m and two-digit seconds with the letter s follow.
2h52
